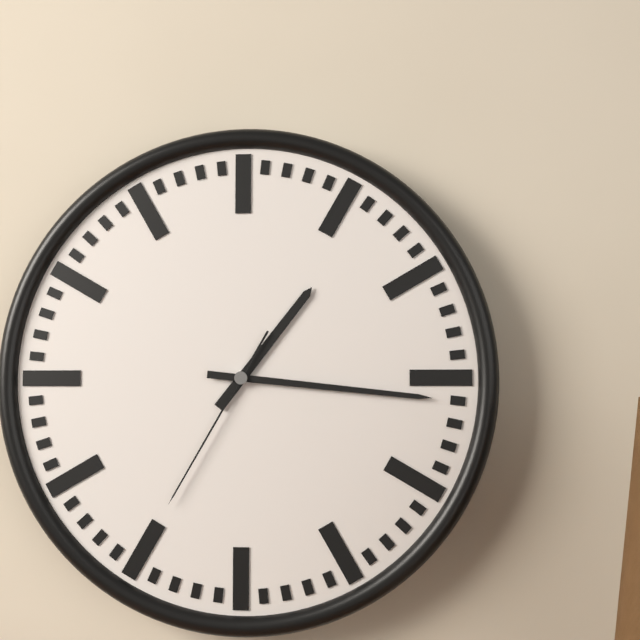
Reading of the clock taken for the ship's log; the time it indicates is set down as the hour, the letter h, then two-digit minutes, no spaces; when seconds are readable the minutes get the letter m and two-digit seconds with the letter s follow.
1h16m35s
